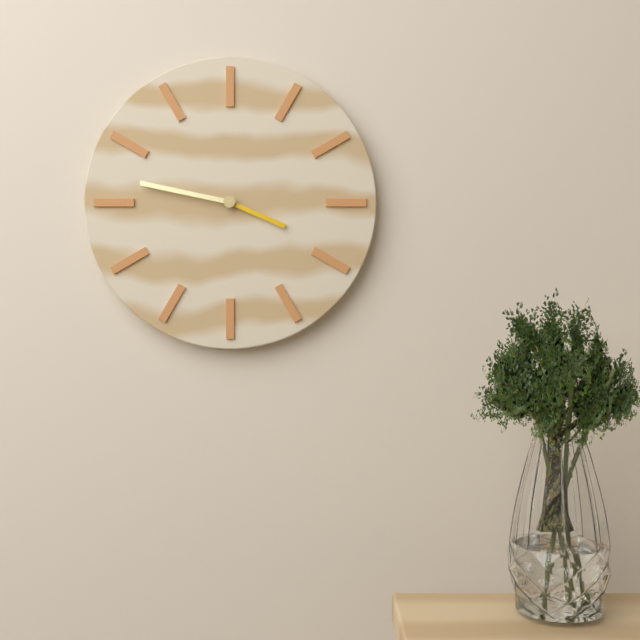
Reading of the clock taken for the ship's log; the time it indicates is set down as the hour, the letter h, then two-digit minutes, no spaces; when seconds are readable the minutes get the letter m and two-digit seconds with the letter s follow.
3h47
